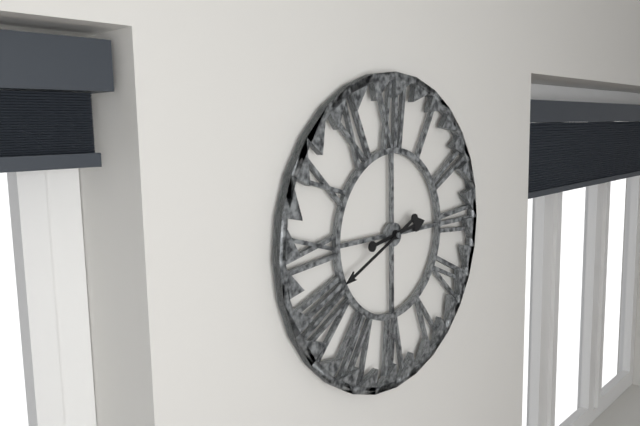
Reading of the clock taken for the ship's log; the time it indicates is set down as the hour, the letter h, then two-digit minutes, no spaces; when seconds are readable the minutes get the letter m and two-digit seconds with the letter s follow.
2h41
